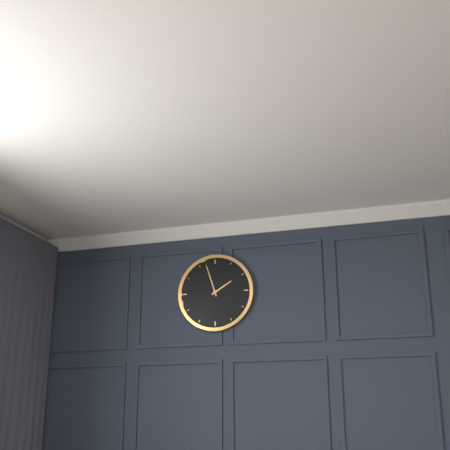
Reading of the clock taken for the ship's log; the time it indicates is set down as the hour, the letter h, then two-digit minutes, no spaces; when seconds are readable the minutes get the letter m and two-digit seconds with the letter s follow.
1h57
